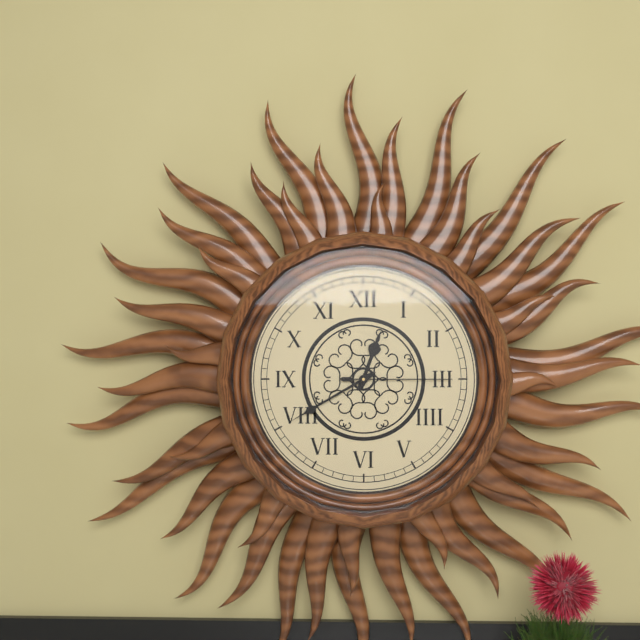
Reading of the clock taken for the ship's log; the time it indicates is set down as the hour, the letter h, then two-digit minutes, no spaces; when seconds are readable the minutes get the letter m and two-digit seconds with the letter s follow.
12h40m15s
